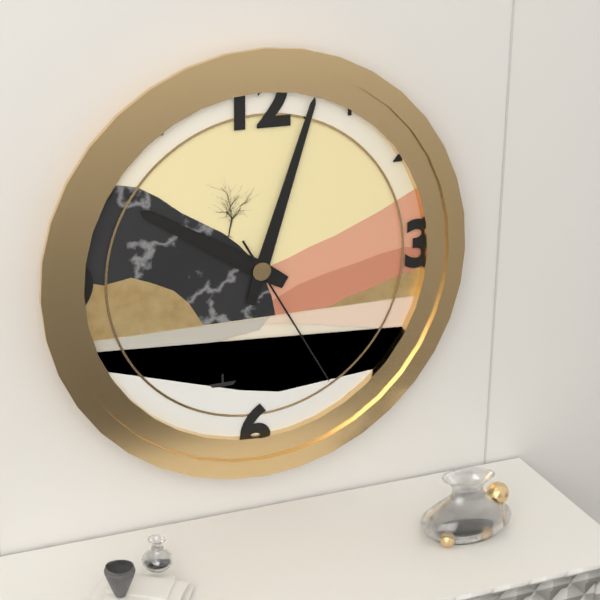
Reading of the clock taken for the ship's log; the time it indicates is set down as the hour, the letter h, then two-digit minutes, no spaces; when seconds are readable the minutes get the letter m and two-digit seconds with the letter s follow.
10h03m25s
